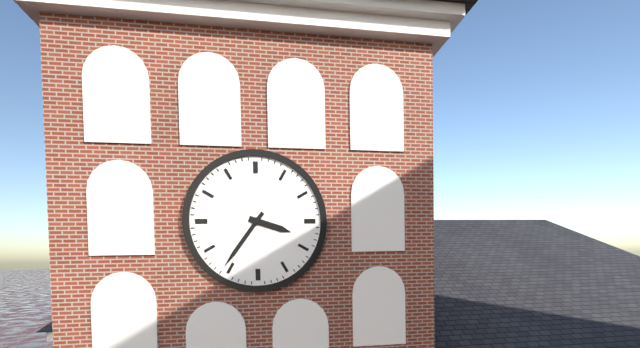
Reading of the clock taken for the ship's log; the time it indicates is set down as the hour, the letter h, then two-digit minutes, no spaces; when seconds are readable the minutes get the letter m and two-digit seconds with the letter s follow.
3h36
